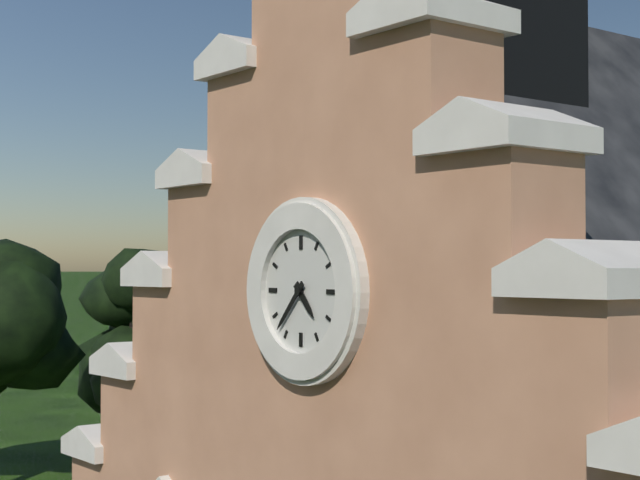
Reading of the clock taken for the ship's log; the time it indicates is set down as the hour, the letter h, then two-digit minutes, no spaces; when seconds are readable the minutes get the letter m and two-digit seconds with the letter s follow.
4h37
